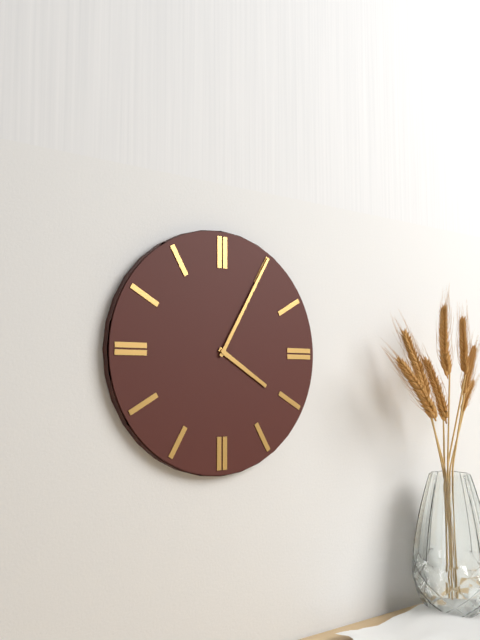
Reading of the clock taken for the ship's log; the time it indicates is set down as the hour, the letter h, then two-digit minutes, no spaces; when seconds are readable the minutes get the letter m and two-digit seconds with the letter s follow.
4h05
